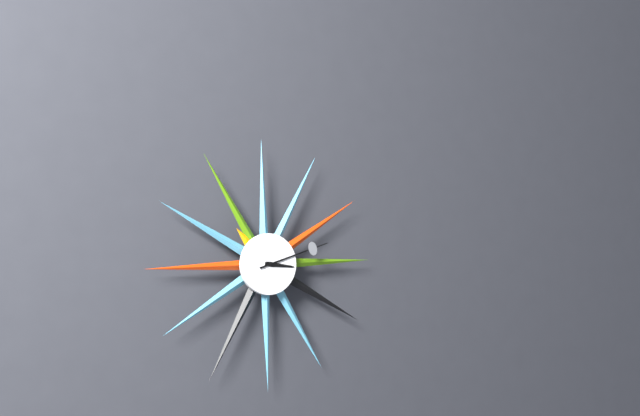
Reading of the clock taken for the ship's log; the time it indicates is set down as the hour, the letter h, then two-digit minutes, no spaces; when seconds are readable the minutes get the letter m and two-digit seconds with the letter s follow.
3h12
